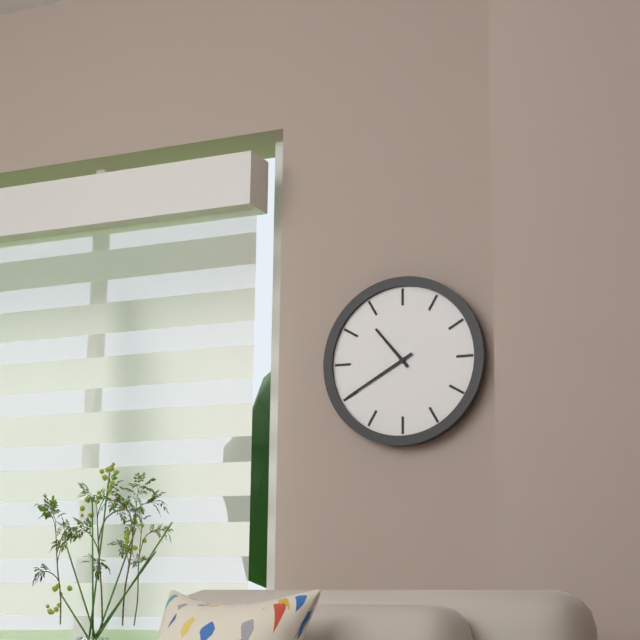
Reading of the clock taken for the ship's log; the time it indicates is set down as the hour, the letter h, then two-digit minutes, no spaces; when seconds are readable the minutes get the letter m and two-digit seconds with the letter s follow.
10h40
